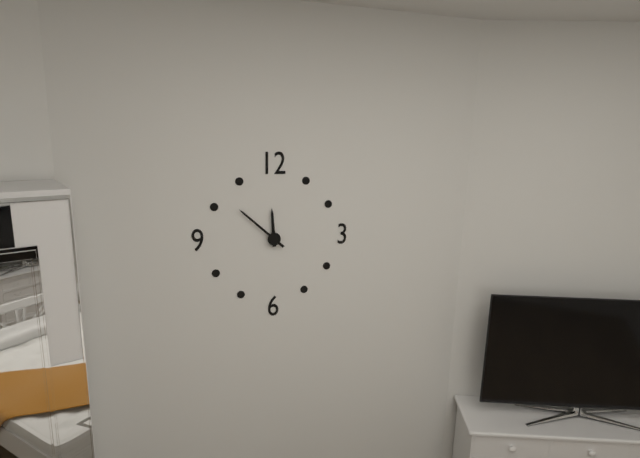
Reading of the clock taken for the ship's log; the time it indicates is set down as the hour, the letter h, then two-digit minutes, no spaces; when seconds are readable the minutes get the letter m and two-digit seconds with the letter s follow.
11h52
